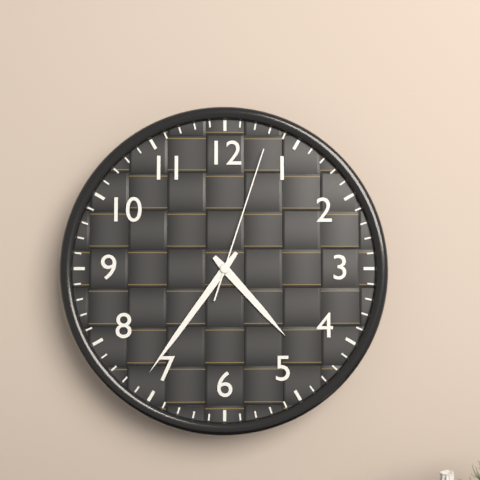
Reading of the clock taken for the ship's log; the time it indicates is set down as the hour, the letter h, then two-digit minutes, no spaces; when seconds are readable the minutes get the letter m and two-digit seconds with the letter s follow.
4h36m03s
